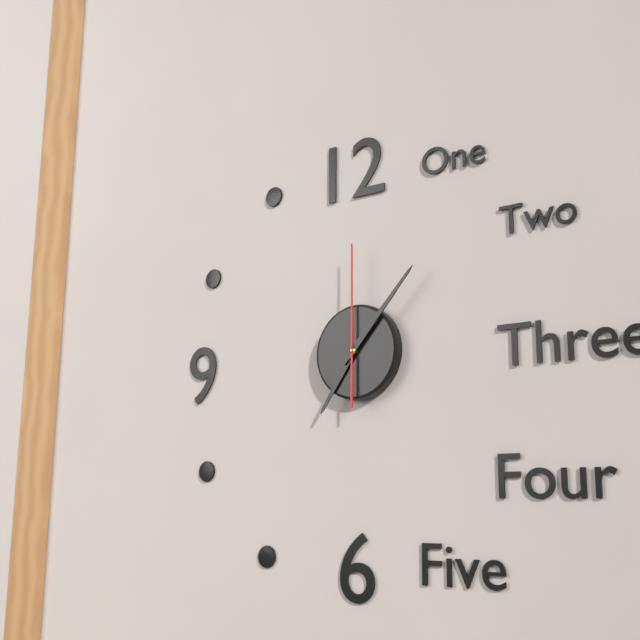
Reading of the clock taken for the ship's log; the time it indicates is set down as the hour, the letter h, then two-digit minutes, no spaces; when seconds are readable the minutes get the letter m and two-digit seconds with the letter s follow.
7h07m00s
